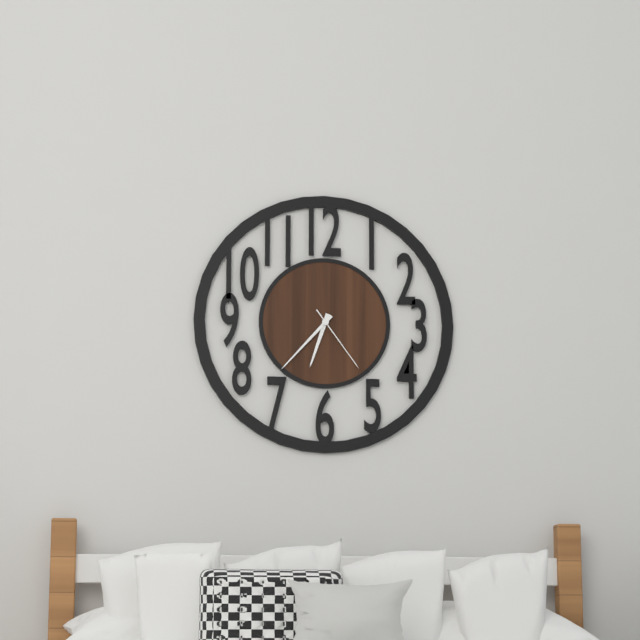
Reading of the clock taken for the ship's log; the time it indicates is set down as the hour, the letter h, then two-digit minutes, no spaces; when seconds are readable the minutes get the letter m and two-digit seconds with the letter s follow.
6h37m24s
